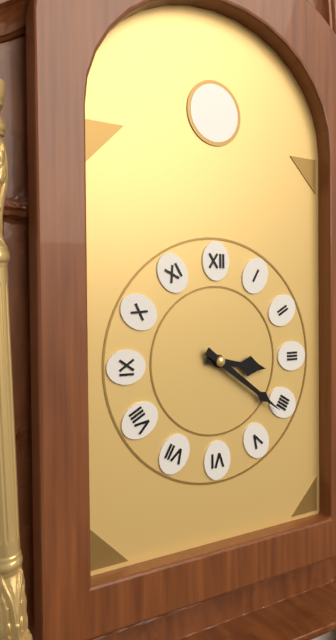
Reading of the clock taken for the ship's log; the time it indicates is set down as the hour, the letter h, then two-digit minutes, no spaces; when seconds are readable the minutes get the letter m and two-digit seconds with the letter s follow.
3h21
